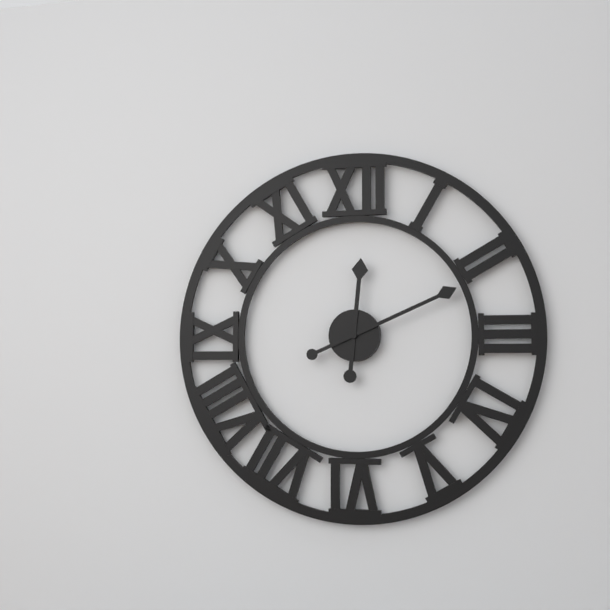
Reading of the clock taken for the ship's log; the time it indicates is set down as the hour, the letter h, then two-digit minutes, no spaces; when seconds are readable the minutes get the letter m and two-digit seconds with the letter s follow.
12h11
